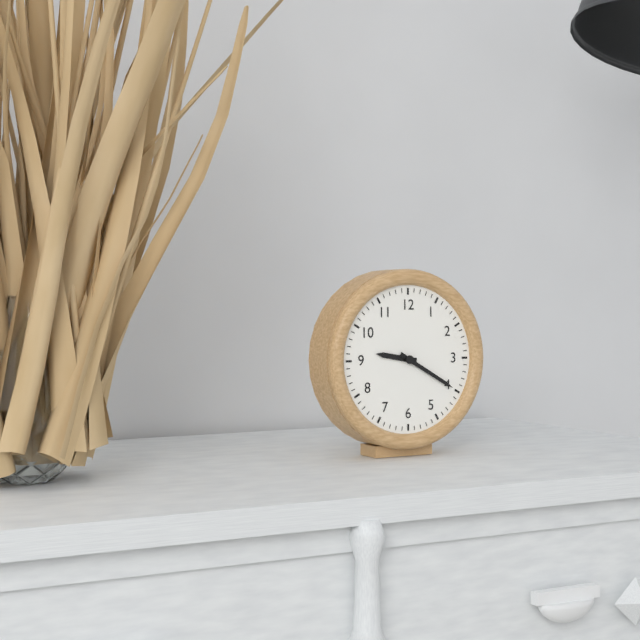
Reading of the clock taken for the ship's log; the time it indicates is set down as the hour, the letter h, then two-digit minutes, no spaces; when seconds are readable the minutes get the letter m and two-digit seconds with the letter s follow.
9h20
